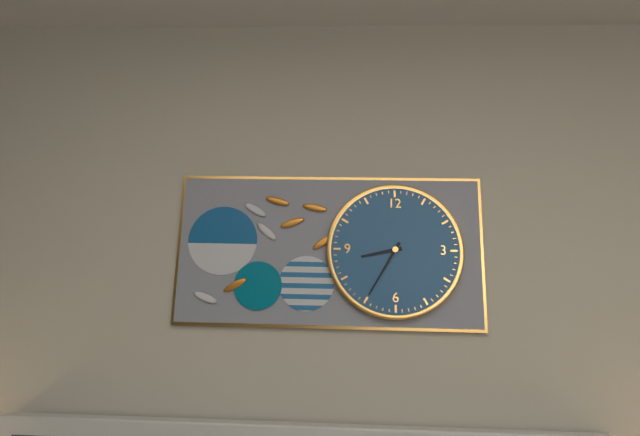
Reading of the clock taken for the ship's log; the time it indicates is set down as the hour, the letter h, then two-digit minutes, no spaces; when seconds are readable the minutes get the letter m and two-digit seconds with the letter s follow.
8h35
